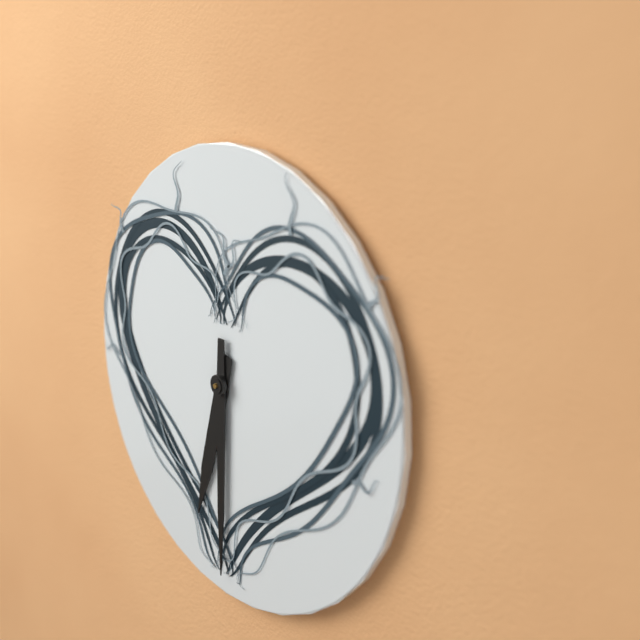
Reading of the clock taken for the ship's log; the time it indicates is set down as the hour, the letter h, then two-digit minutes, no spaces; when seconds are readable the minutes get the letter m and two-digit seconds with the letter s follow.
6h30
